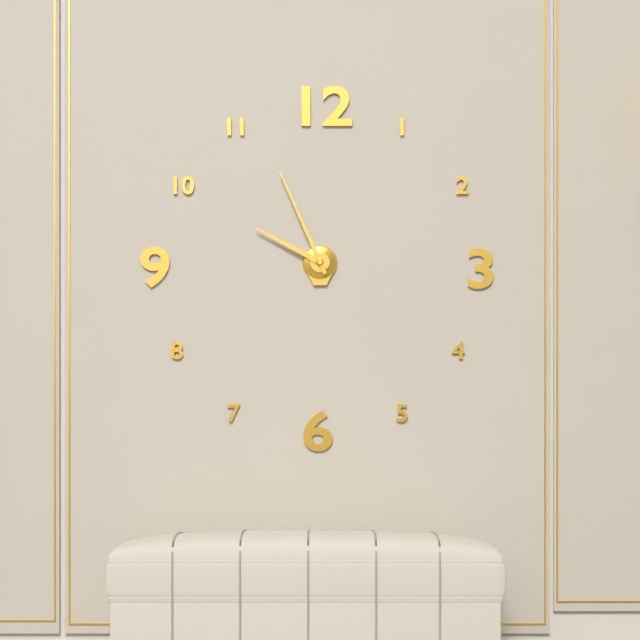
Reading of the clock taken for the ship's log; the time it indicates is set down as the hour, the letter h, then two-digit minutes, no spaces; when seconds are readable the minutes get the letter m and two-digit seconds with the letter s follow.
9h56
